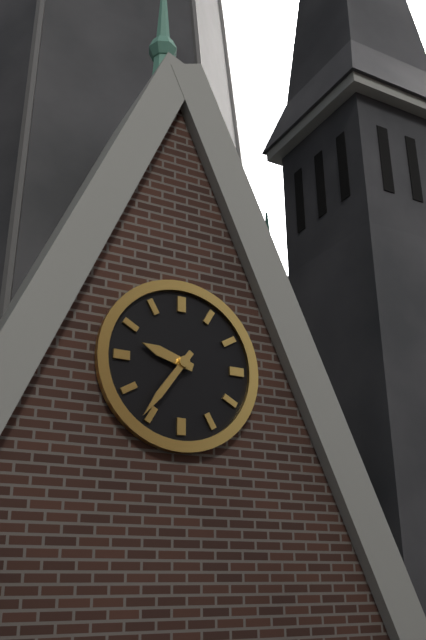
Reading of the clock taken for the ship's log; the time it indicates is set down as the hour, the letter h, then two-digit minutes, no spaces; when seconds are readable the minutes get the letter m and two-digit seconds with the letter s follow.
9h36
